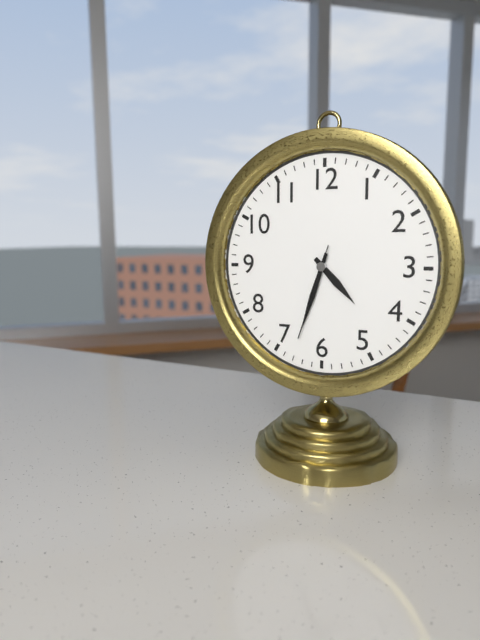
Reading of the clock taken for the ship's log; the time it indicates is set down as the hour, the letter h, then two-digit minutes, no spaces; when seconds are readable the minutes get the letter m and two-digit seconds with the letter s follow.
4h33m33s
